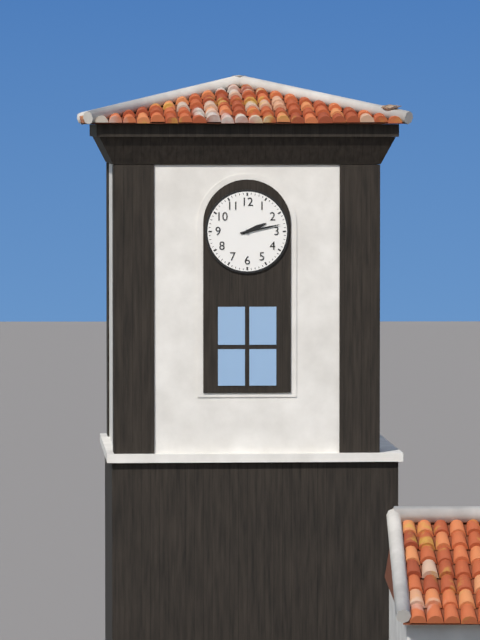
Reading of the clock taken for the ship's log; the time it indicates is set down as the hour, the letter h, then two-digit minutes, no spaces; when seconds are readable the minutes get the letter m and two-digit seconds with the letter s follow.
2h13
